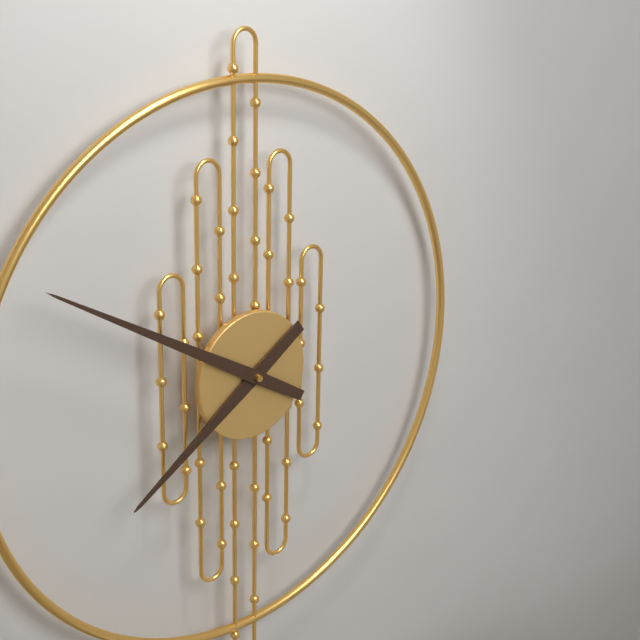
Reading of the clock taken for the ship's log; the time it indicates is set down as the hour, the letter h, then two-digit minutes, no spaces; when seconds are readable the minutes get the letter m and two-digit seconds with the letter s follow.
7h50
